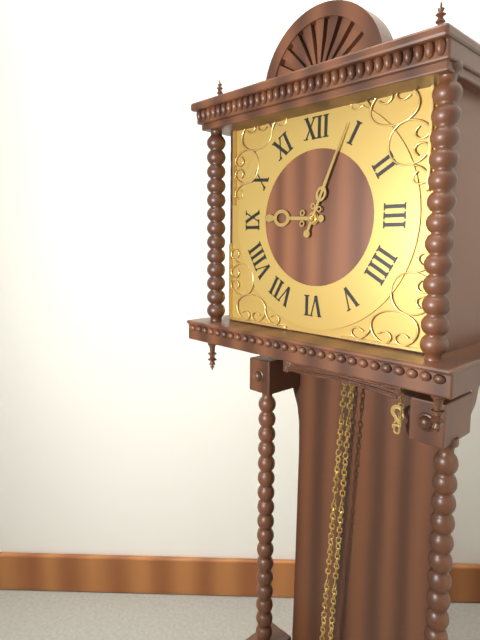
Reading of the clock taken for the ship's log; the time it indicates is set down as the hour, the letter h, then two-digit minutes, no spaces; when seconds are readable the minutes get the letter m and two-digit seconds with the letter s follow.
9h04
